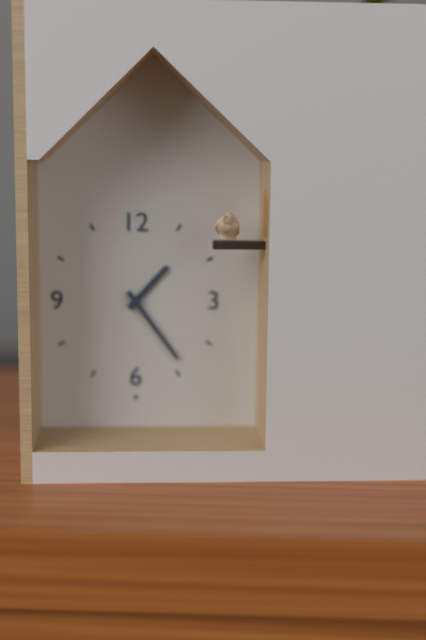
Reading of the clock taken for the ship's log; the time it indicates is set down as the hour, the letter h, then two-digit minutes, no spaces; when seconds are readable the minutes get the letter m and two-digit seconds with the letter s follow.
1h24
